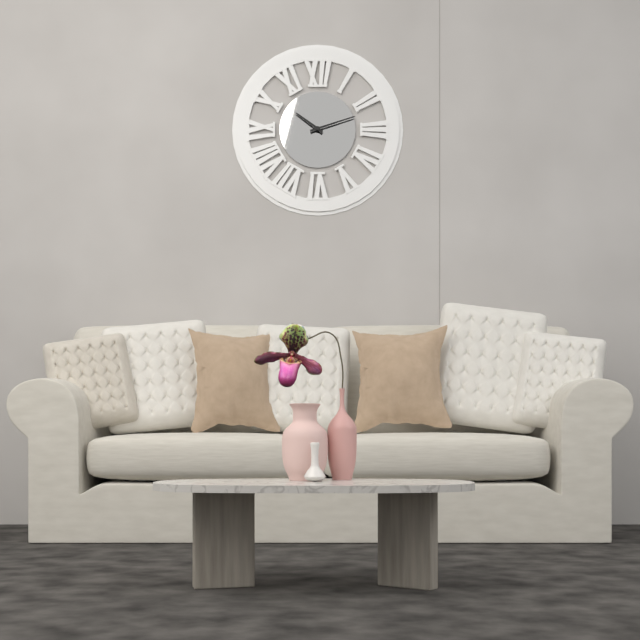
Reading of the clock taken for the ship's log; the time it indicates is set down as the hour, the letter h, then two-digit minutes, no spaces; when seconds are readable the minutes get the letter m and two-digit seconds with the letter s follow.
10h12
